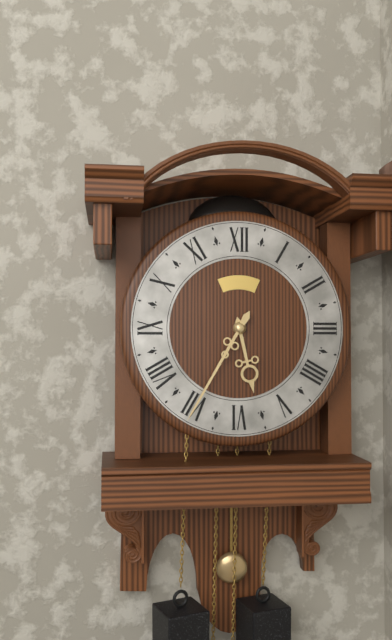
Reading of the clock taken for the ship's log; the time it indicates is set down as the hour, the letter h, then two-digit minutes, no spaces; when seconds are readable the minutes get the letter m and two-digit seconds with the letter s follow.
5h35
